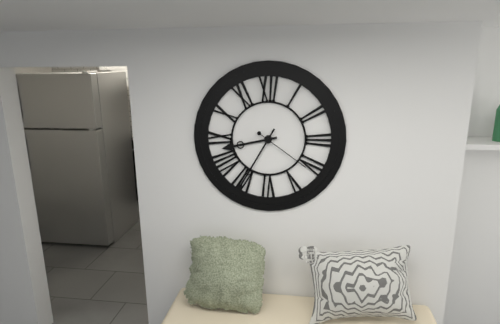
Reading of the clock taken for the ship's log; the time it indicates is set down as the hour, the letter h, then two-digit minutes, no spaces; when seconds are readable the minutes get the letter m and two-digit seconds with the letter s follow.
8h35m21s
